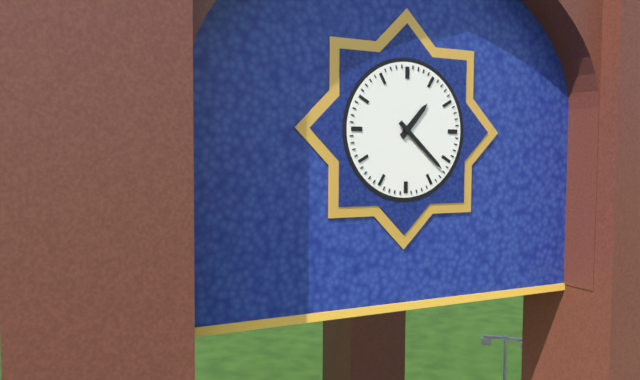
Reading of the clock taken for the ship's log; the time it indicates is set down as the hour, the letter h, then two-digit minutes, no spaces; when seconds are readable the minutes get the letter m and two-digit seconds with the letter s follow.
1h22
